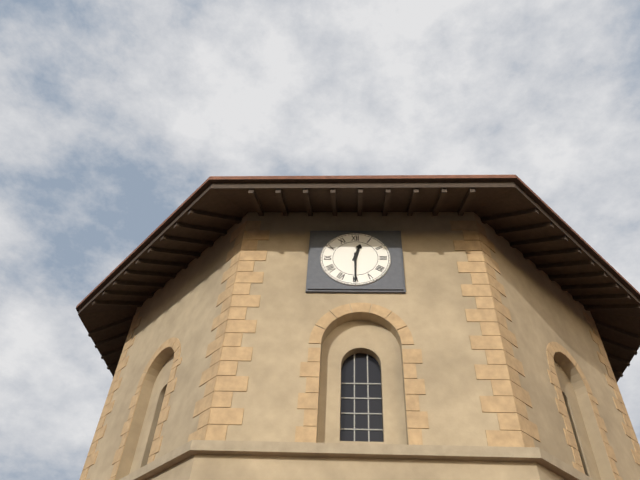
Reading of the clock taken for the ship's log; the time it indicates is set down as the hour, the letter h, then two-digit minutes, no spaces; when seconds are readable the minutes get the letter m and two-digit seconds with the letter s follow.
12h30
